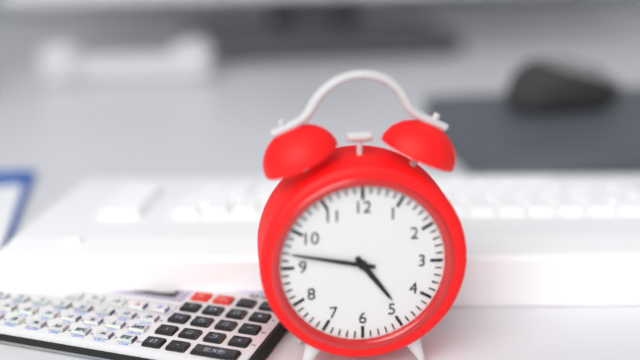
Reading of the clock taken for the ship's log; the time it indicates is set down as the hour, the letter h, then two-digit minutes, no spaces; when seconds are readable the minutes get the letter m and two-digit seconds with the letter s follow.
4h47
